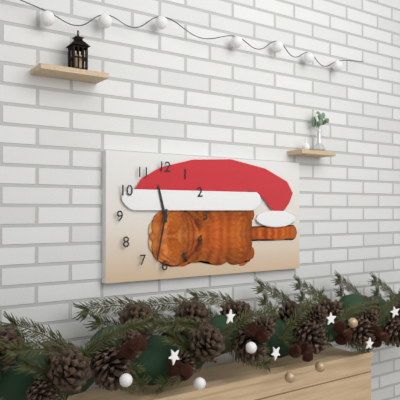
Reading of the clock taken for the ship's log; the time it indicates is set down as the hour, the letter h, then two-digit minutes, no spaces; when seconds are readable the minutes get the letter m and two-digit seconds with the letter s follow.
11h32
